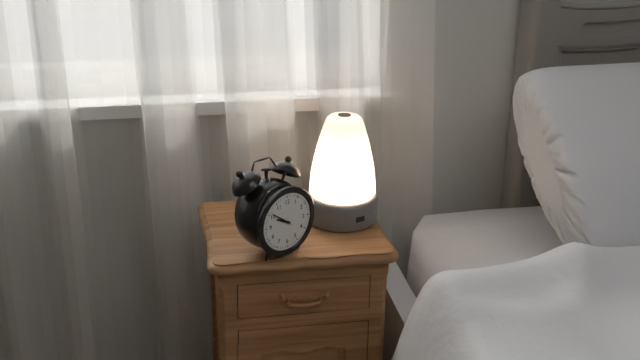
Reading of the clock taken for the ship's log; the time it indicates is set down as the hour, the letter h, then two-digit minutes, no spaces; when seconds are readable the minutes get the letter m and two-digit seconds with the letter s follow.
9h51
